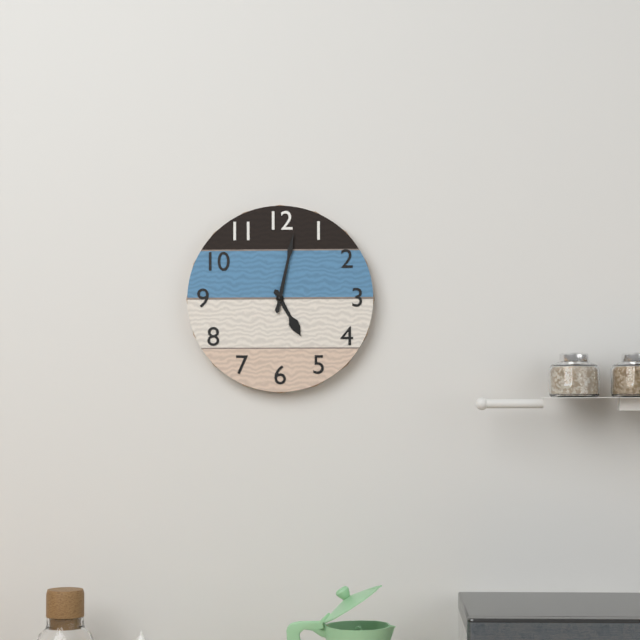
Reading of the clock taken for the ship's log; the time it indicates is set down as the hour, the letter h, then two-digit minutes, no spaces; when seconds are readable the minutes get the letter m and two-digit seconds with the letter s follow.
5h02
